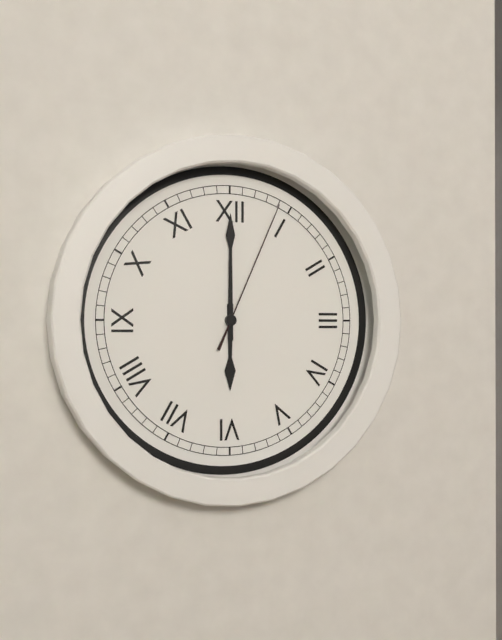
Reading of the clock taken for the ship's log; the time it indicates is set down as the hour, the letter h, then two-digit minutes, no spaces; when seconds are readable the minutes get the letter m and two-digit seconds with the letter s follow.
6h00m04s
